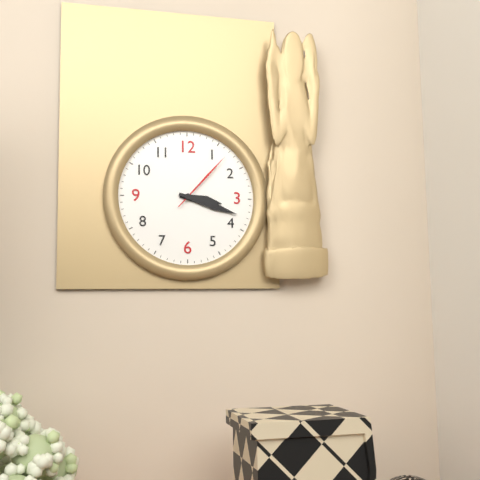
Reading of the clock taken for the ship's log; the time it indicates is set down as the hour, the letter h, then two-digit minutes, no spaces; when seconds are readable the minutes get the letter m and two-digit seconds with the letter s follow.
3h18m07s
